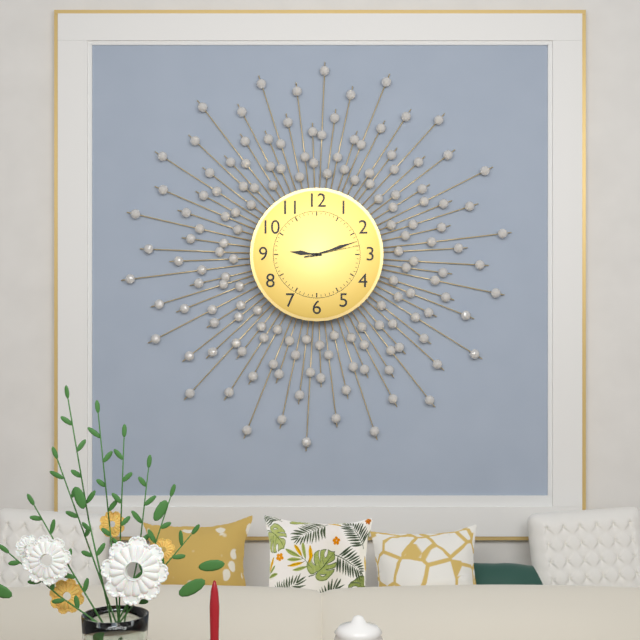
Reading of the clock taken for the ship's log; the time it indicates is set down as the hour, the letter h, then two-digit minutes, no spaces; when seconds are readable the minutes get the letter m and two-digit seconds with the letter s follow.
9h12m13s
